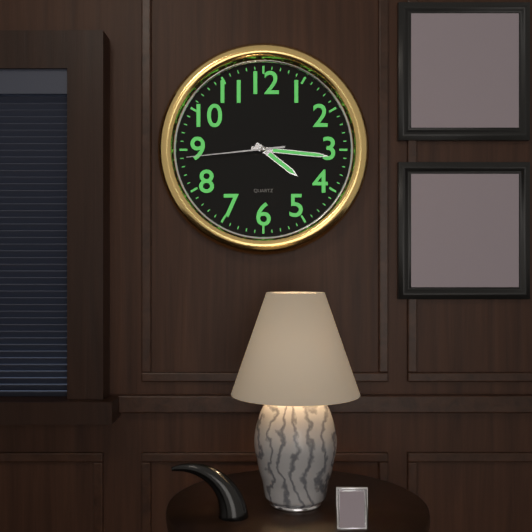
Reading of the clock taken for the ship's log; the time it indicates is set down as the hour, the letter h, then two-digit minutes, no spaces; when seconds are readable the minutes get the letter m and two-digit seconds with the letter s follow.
4h16m44s
